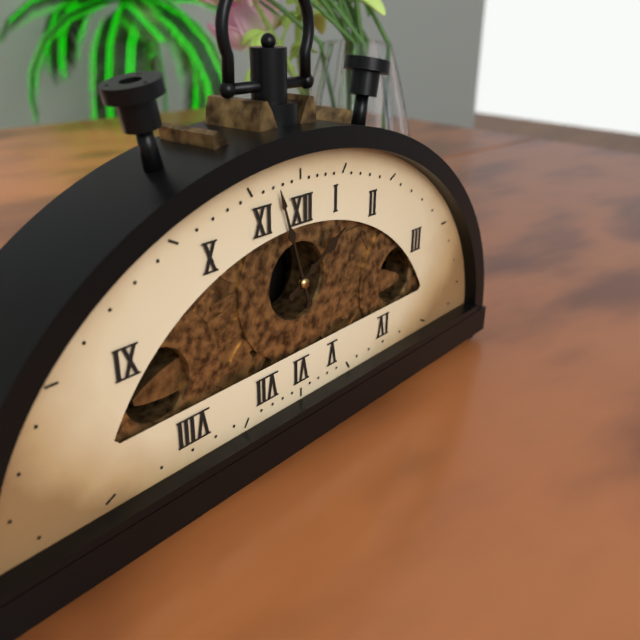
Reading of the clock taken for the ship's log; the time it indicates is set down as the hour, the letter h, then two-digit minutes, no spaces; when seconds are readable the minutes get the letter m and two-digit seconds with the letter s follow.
1h57
